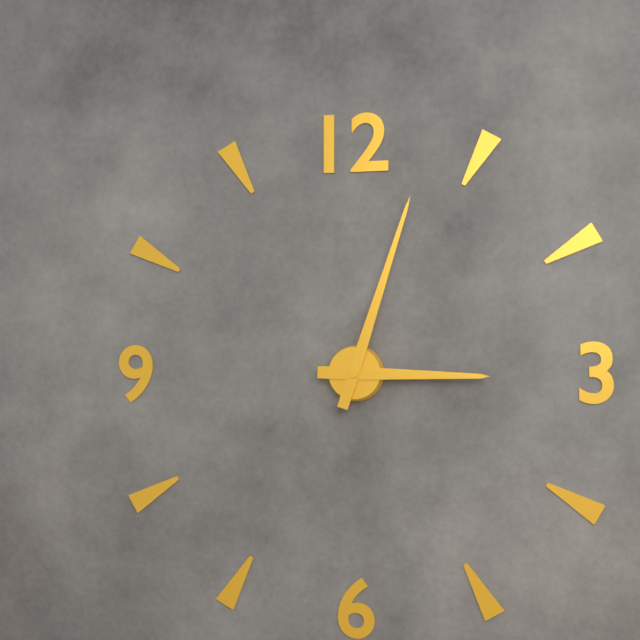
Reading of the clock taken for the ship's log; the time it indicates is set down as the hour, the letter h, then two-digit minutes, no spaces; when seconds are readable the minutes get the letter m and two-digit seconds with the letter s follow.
3h03
